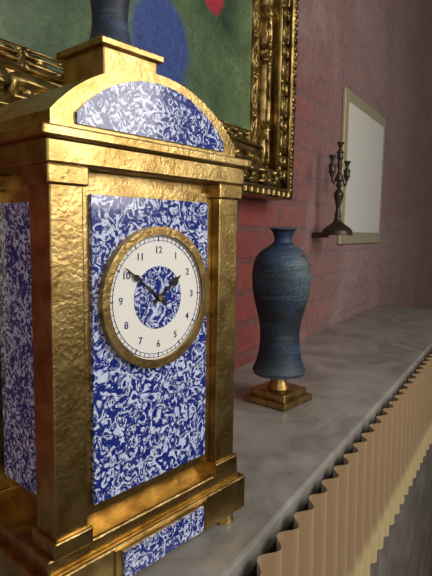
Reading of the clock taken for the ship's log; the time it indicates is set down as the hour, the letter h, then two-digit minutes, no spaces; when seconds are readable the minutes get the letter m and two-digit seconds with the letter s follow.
1h51
